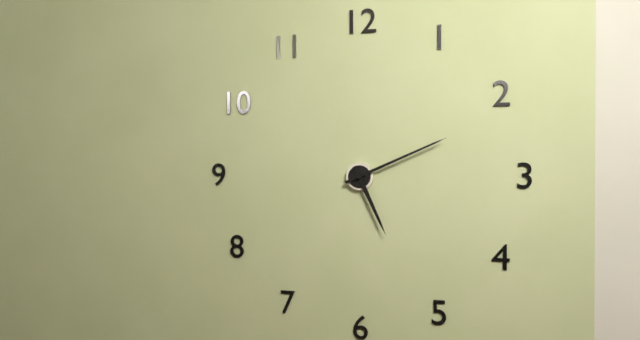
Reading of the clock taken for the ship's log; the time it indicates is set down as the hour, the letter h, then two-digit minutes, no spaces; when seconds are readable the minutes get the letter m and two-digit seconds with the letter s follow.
5h11
